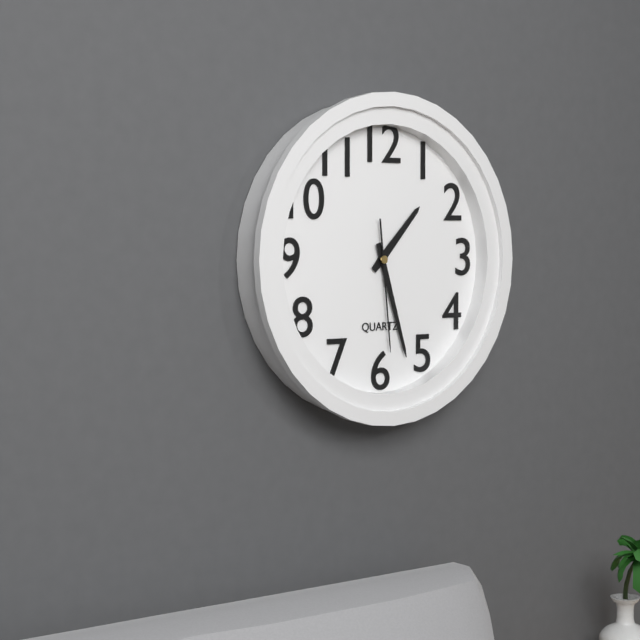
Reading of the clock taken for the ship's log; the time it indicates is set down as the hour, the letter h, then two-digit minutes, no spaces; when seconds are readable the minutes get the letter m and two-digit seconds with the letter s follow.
1h27m29s
